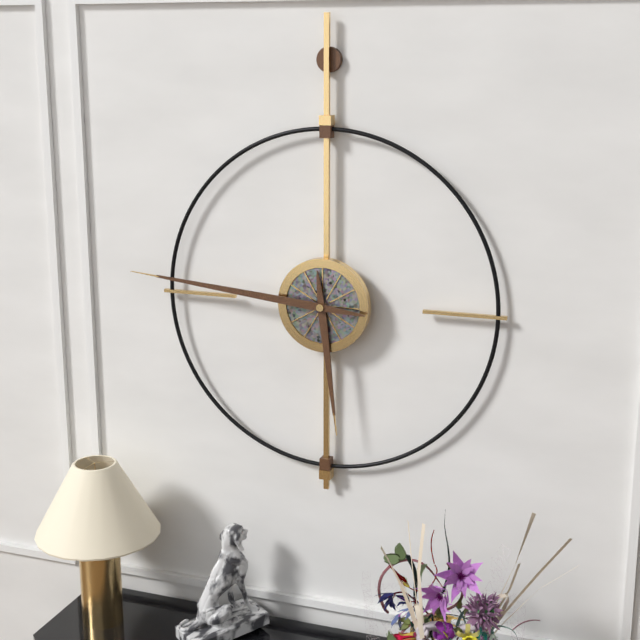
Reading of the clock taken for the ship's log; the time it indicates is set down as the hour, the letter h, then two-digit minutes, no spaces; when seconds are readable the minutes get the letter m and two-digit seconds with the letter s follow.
5h46
